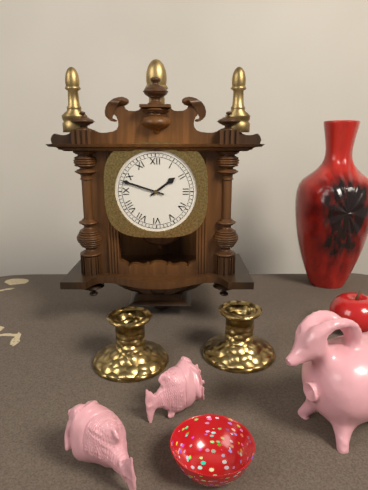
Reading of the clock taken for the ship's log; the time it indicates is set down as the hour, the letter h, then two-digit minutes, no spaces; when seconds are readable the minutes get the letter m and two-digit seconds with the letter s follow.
1h48
